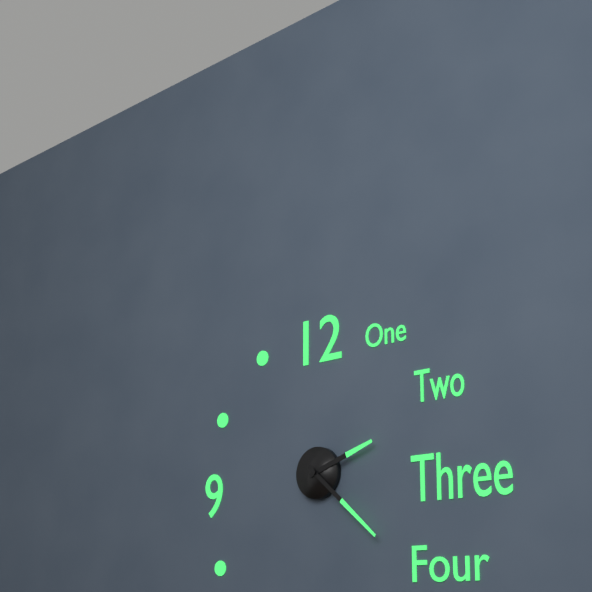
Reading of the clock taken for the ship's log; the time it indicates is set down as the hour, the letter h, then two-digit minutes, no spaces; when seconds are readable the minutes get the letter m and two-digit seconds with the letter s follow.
2h22
